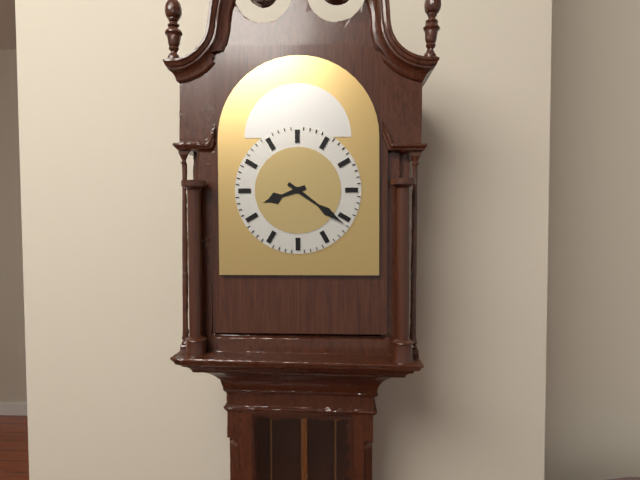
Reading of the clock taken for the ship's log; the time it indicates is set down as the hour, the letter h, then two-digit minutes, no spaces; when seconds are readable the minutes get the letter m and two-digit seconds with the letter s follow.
8h21
